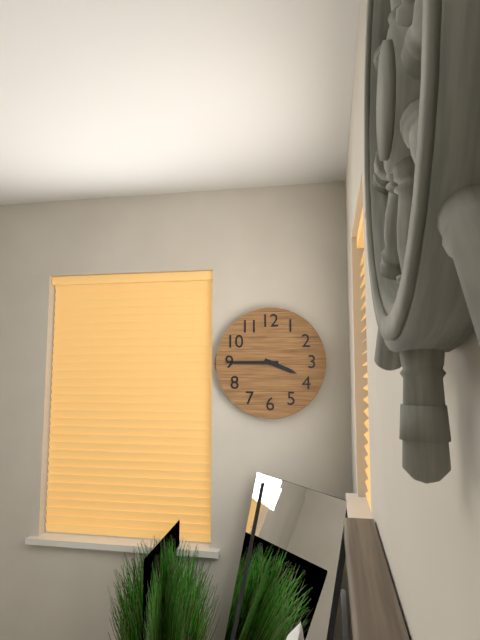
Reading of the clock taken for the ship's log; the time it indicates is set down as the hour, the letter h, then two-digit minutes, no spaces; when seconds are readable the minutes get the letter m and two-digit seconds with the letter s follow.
3h45
